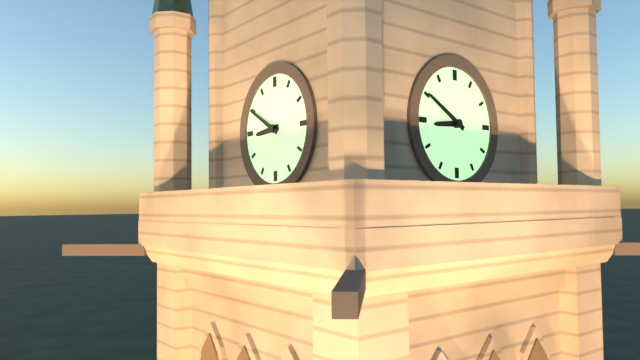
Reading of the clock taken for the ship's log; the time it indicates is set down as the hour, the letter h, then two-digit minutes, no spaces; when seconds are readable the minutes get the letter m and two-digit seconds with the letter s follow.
8h50
